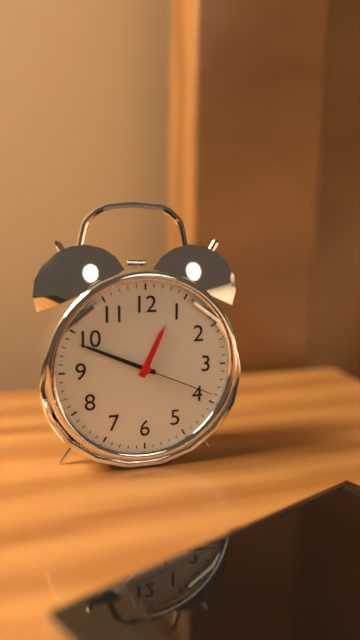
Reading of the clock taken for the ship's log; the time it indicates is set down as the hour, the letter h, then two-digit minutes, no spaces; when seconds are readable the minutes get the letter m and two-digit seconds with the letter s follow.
12h49m19s
